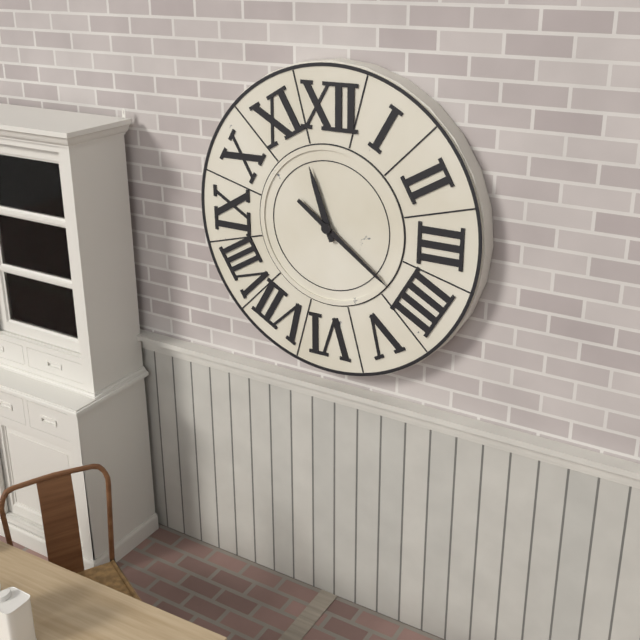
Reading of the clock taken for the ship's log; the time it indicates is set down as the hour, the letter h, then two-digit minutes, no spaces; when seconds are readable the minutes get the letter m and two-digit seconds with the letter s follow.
11h21
